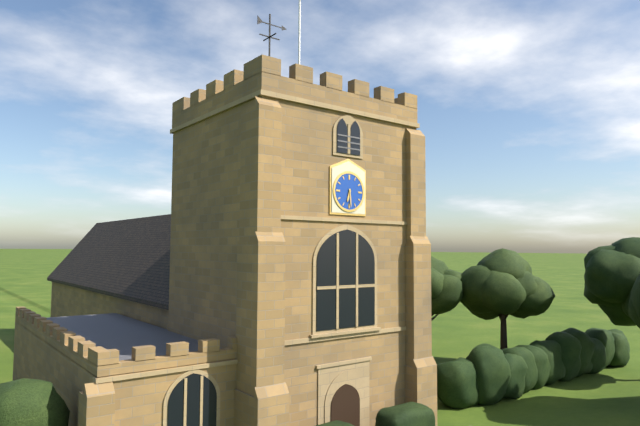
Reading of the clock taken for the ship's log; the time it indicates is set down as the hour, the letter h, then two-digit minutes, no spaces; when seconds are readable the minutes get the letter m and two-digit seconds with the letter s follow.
6h29
